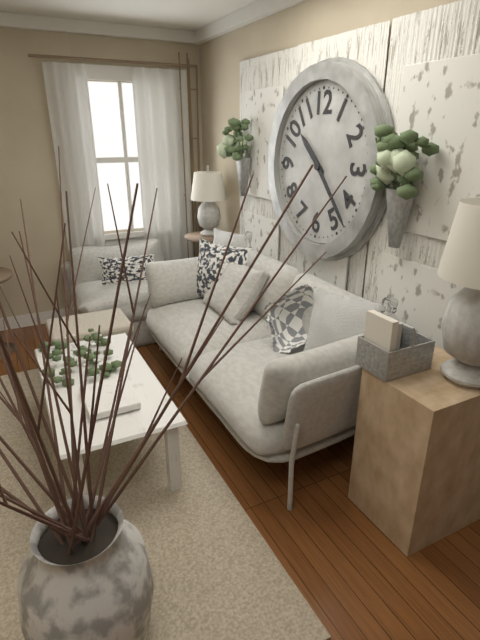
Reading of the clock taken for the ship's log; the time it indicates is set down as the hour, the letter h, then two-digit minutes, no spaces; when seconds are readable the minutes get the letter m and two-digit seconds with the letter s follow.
10h23
